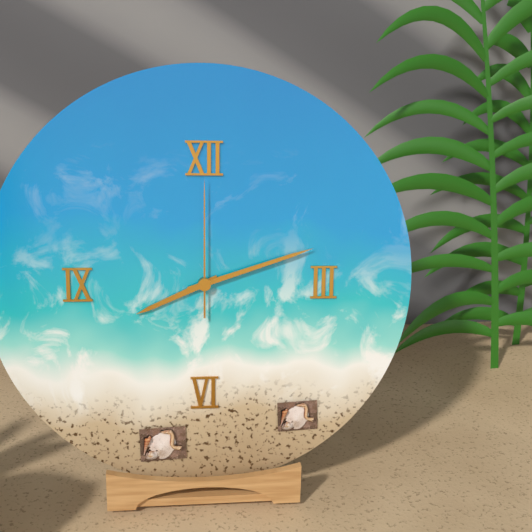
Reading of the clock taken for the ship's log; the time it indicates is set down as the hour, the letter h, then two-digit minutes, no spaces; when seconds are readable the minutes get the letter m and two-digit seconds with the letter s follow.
8h12m00s
